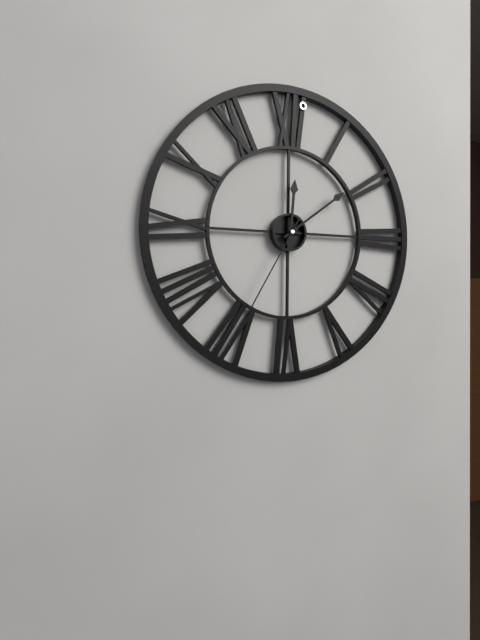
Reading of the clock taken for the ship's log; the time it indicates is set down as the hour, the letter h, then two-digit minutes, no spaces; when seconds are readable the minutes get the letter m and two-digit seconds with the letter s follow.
12h09m35s
